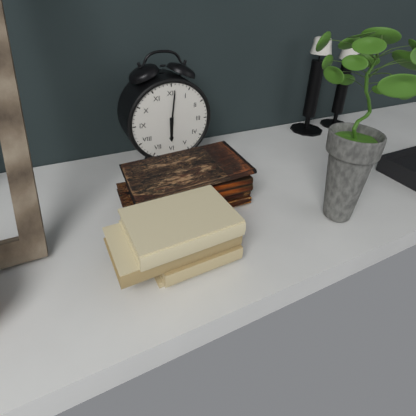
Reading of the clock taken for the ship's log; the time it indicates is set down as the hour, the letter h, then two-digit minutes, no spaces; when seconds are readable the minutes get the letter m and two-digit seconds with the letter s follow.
6h01
